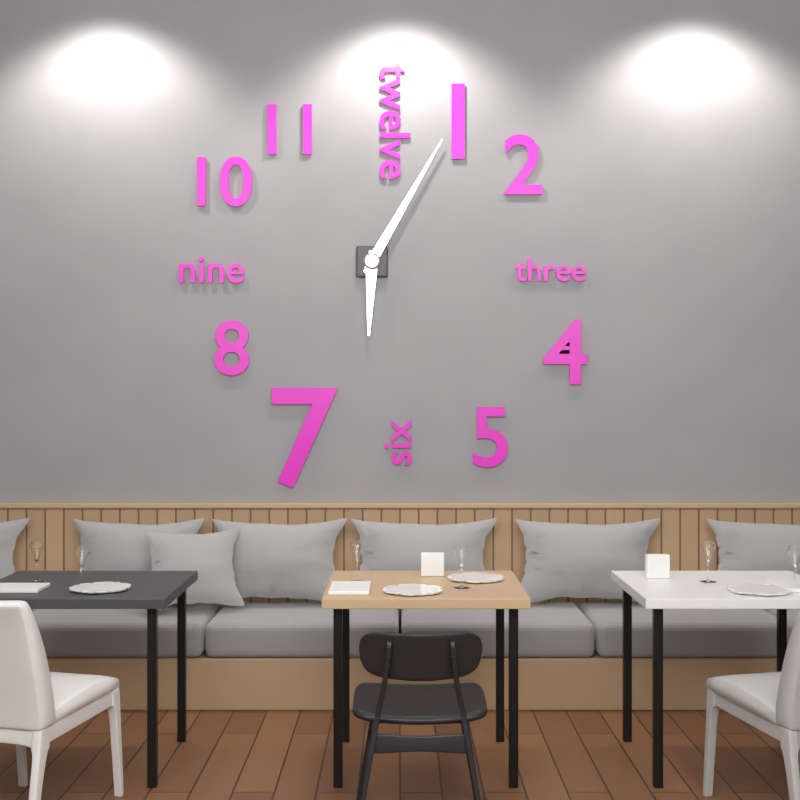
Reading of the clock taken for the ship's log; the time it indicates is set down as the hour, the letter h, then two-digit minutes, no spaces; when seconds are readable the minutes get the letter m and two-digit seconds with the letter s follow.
6h05
